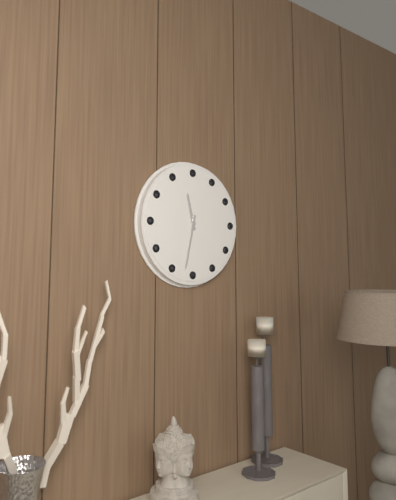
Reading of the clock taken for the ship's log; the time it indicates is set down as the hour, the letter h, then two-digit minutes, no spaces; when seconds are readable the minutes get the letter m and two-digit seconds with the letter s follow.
11h32
